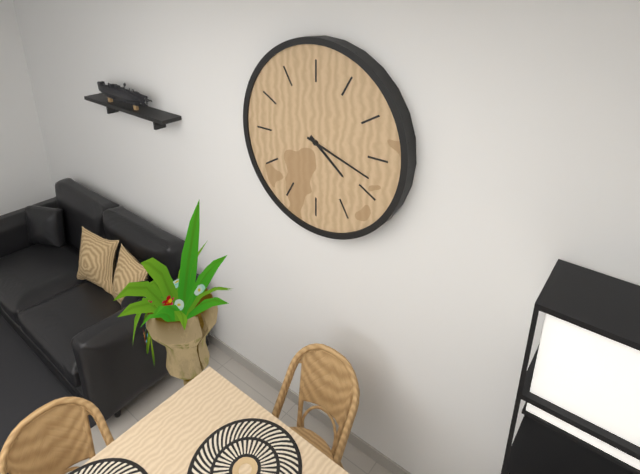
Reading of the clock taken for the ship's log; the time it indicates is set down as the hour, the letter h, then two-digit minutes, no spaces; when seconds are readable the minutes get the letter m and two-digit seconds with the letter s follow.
4h18
